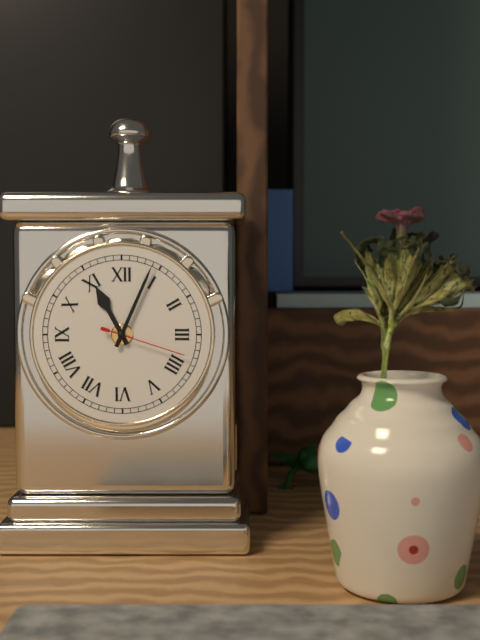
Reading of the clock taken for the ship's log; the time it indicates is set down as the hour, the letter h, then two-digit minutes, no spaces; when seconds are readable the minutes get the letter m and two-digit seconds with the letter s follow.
11h04m18s
